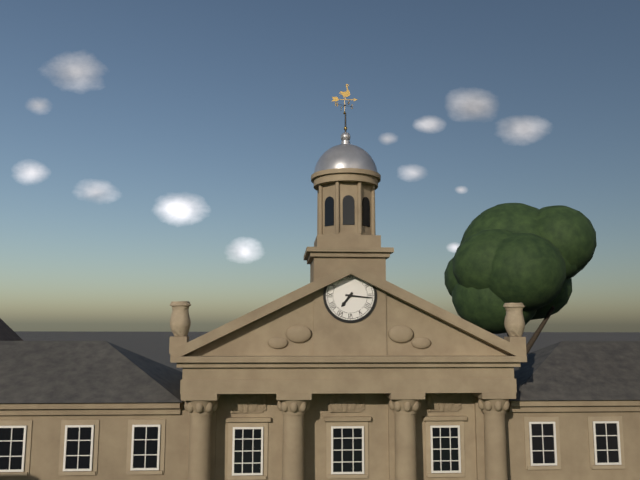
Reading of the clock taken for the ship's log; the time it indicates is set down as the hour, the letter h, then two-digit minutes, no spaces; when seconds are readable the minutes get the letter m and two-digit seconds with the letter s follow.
7h16
